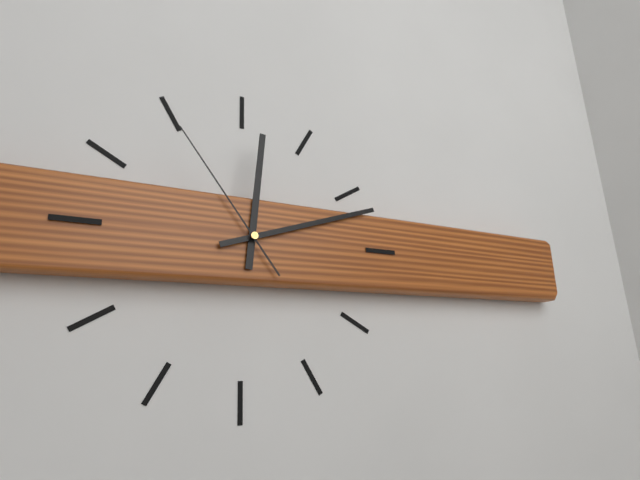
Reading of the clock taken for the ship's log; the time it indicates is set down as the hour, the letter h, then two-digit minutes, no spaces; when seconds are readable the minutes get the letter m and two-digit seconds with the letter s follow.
12h12m54s
